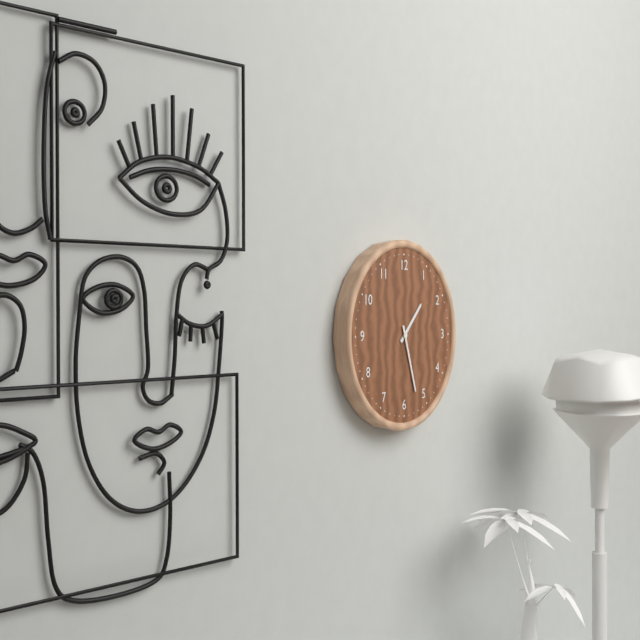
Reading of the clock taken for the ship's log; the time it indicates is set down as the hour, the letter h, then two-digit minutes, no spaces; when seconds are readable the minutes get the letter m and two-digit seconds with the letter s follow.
1h27
